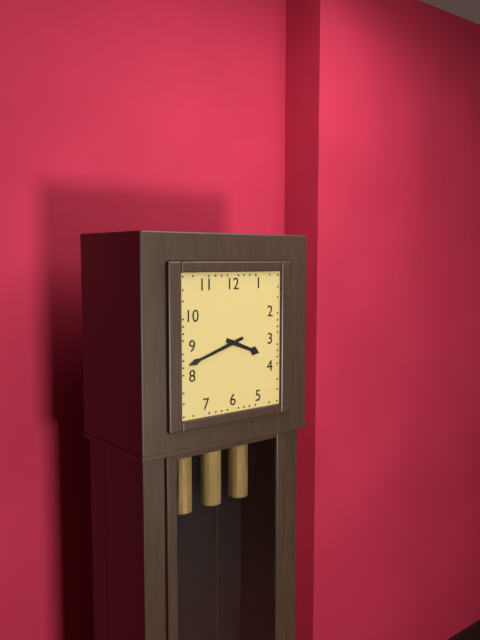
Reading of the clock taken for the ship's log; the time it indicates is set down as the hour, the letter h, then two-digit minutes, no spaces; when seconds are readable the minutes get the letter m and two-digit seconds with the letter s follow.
3h42
